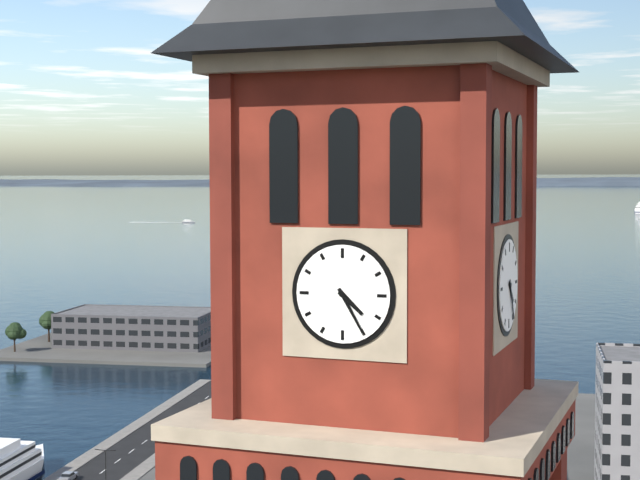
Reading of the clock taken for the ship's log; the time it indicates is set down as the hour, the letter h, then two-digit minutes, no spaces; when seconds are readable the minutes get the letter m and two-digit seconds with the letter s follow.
4h25
